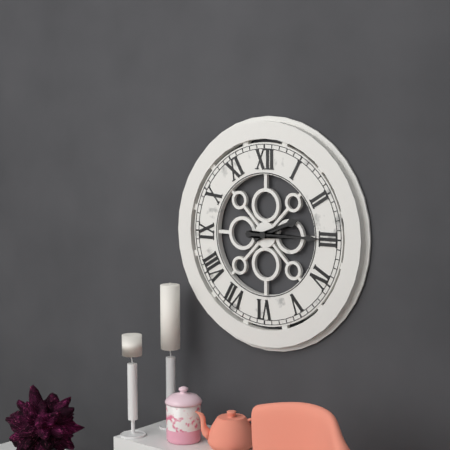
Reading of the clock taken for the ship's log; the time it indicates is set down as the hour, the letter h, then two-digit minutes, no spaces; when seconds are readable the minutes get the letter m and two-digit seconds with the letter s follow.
2h15
